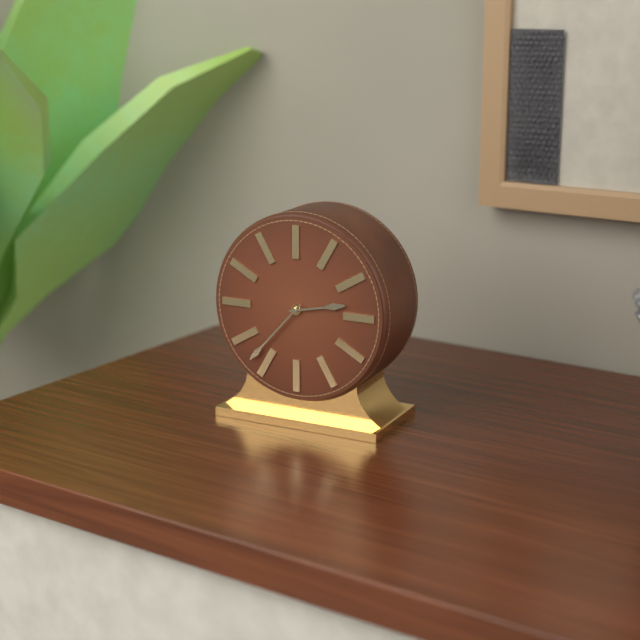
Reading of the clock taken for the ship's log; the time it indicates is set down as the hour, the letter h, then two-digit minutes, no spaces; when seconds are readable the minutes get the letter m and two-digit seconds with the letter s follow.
2h37
